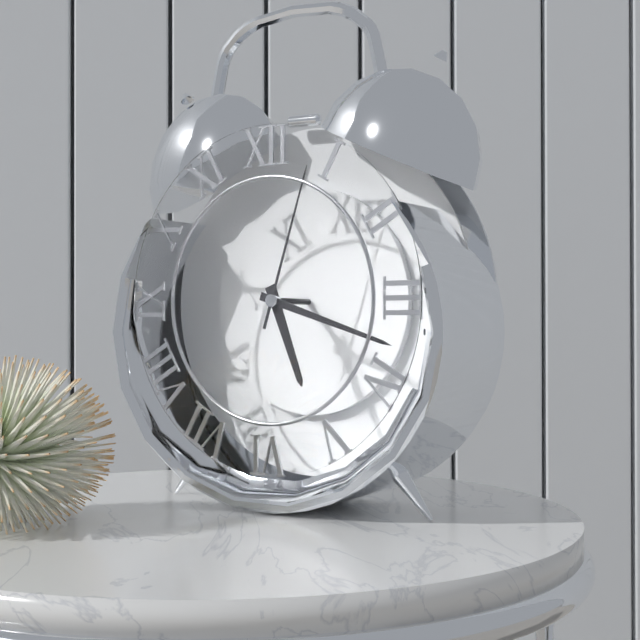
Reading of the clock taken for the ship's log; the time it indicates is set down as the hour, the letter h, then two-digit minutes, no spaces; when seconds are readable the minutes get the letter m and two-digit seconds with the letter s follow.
5h18m03s
